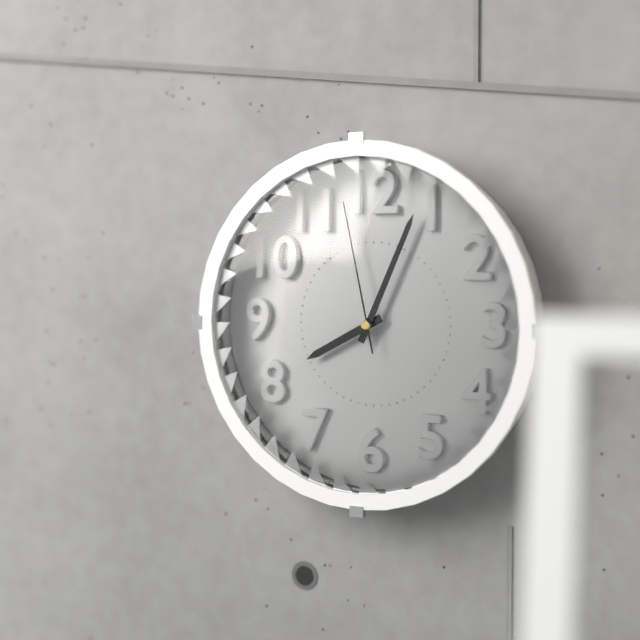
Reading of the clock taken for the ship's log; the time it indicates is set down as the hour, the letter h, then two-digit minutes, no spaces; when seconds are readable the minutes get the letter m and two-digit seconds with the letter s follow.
8h04m58s
